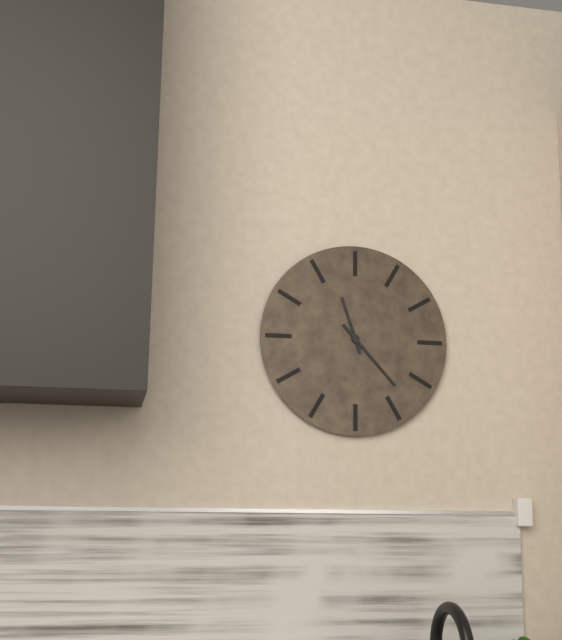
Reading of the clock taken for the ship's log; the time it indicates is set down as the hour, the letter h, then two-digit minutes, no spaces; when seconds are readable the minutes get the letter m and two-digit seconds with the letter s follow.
11h23
